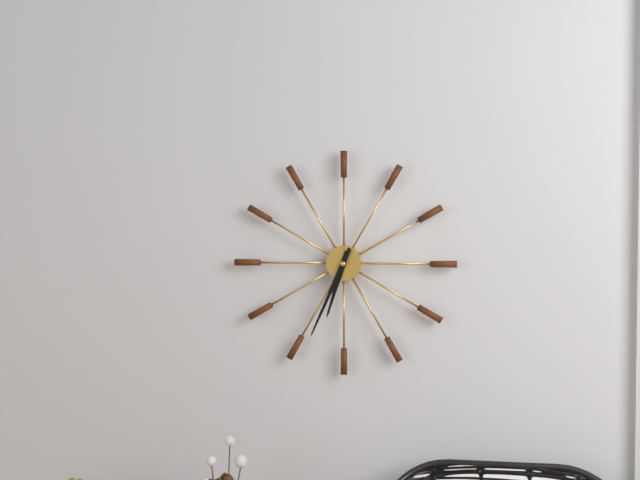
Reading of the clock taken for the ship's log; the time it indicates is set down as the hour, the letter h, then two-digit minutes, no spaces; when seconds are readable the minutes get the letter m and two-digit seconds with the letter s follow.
6h34
